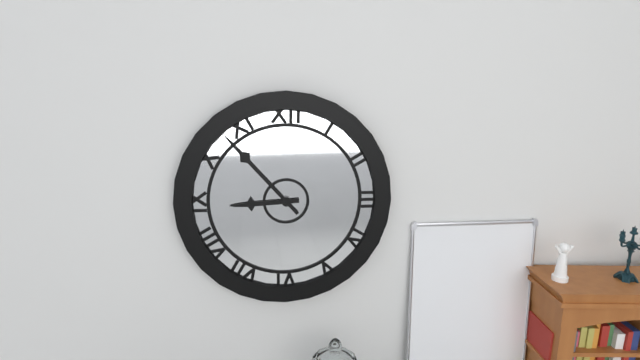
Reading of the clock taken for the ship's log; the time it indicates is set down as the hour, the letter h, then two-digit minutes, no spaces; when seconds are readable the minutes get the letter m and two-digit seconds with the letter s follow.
8h53
